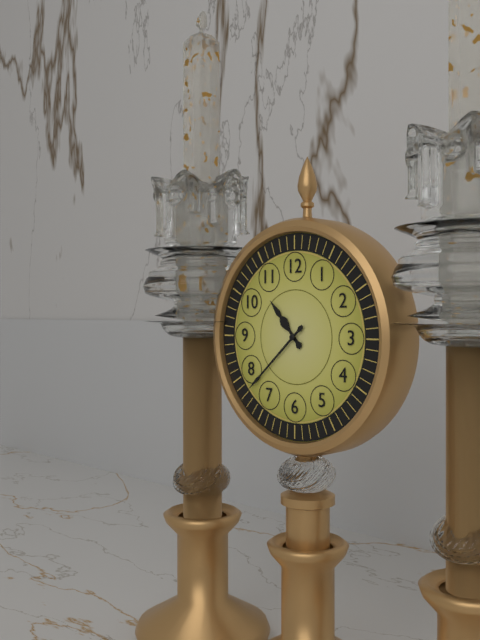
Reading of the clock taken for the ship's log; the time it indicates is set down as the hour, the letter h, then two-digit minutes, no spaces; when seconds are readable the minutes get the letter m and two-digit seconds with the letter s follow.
10h38
